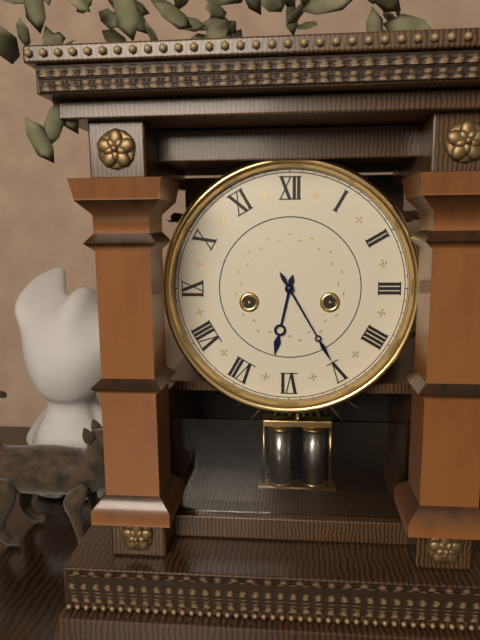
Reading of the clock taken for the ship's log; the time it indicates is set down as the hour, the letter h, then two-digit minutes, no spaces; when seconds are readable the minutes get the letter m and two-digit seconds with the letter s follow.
6h25
